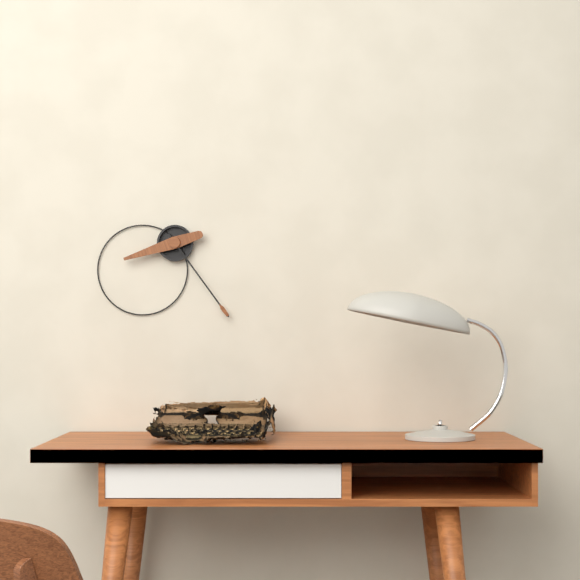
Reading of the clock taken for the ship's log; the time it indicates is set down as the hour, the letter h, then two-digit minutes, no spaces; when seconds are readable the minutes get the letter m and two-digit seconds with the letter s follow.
8h24
